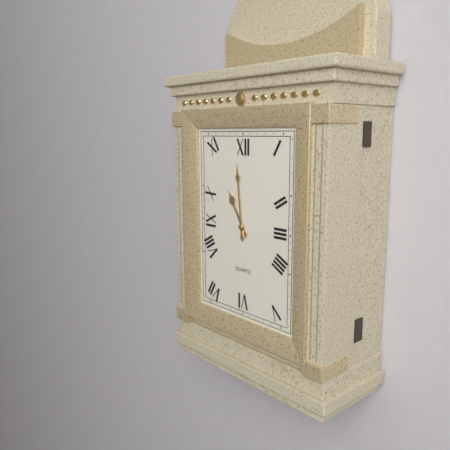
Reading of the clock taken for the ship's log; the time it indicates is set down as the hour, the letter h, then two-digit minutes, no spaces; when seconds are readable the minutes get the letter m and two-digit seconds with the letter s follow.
10h59
